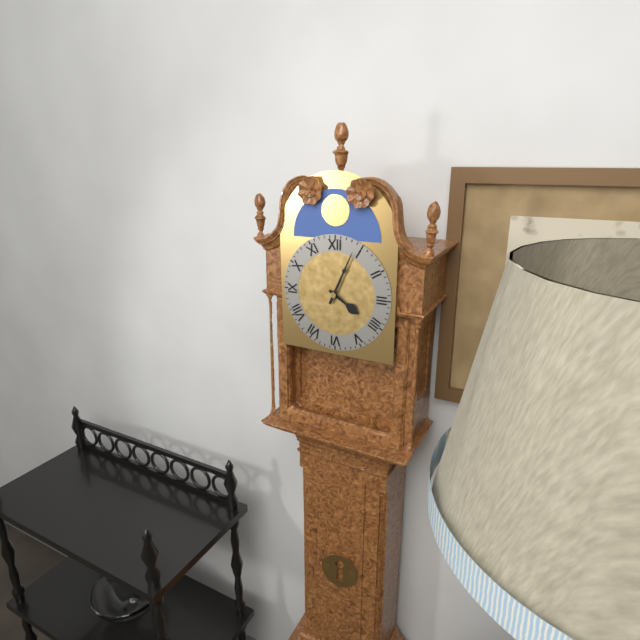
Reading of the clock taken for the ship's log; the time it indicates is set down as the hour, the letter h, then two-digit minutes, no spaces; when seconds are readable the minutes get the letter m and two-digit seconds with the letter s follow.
4h04
